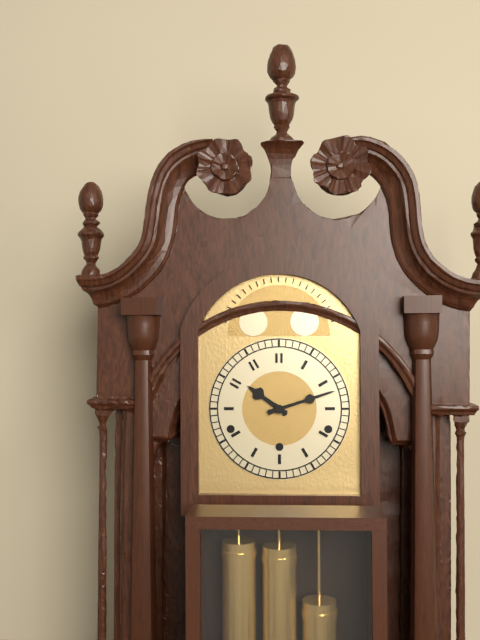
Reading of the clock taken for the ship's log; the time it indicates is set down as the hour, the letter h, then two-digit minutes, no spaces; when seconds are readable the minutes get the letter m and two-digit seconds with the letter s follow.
10h12
